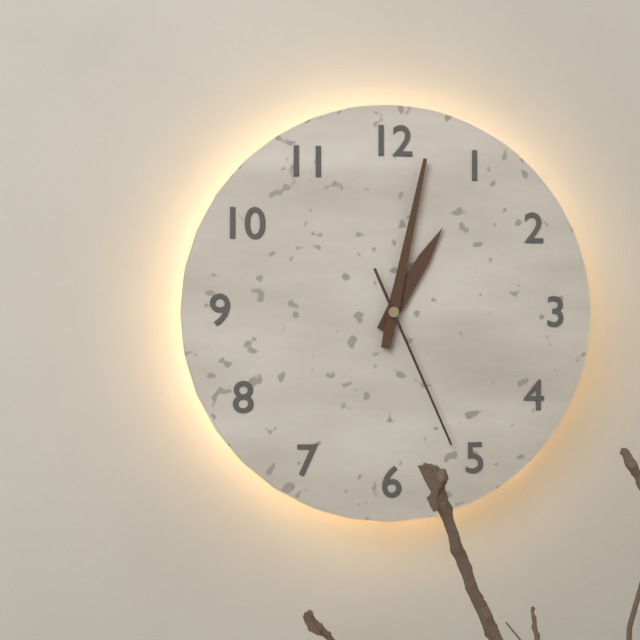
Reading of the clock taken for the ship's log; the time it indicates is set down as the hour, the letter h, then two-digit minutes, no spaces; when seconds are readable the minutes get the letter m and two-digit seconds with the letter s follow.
1h02m26s
